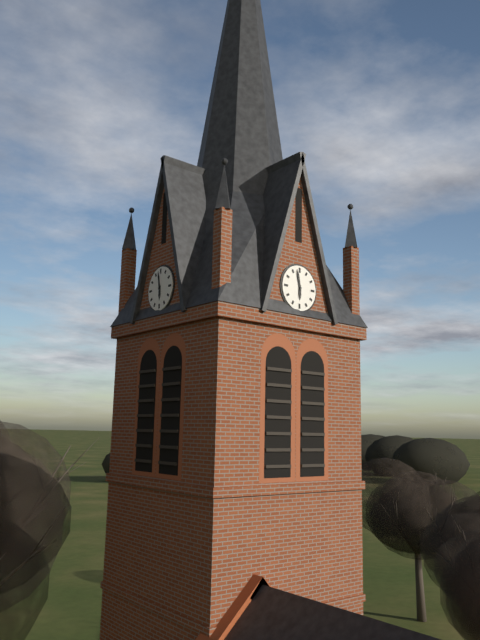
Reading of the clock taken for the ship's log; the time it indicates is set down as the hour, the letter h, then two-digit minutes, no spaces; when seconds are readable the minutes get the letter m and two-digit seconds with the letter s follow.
5h58
